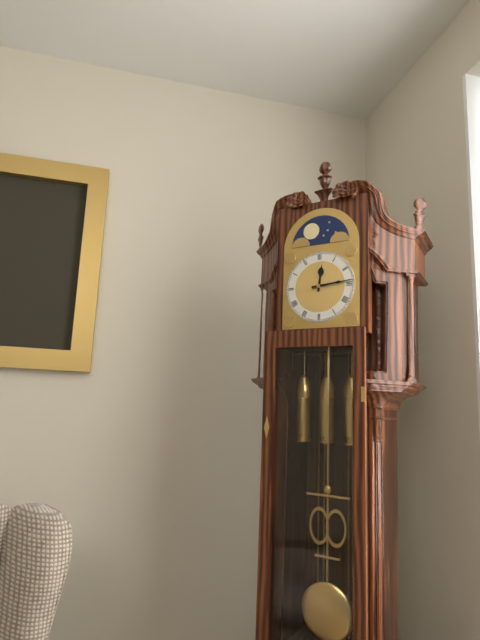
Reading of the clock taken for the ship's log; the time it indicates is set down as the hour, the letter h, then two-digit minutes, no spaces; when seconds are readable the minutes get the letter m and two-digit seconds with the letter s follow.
12h14
